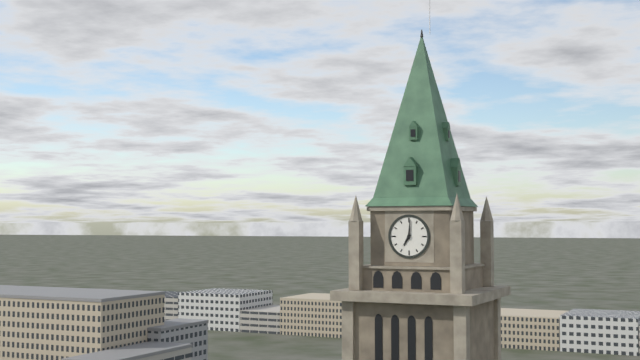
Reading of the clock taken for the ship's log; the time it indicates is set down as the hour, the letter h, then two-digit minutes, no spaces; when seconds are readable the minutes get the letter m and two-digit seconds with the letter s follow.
7h01
